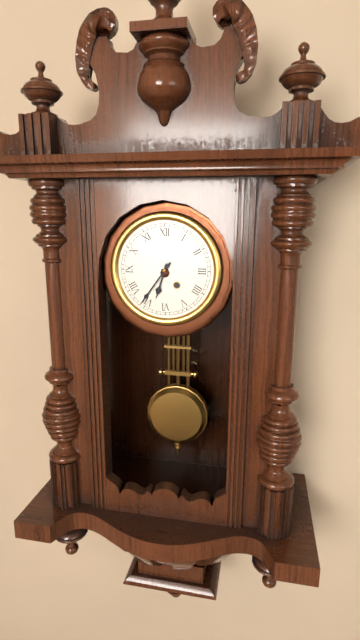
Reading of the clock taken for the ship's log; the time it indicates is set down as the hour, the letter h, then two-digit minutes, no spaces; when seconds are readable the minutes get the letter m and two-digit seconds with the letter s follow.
6h36
